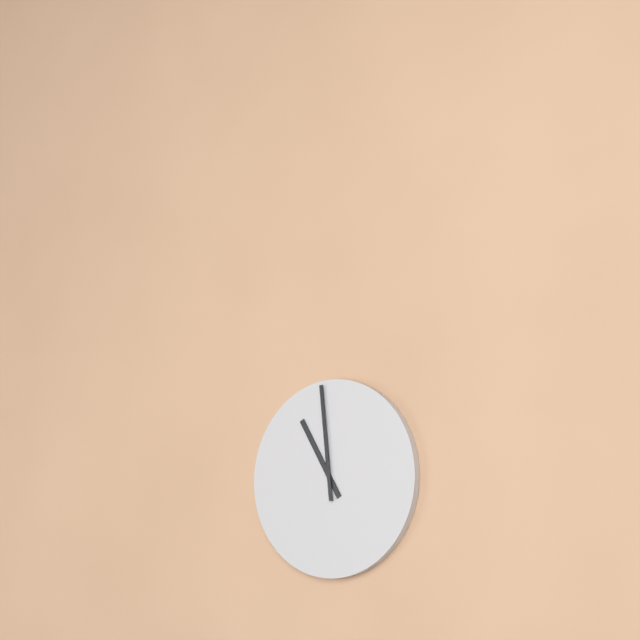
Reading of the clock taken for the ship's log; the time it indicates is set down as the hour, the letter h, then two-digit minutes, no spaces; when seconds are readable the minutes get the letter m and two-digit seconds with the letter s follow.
10h59
